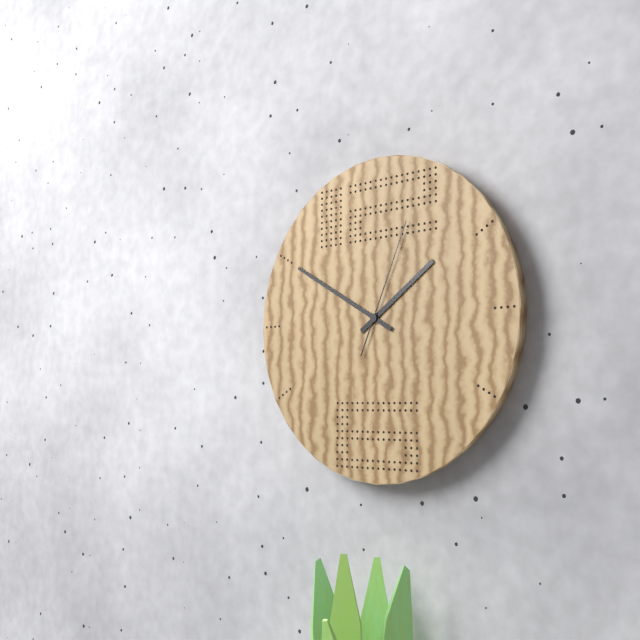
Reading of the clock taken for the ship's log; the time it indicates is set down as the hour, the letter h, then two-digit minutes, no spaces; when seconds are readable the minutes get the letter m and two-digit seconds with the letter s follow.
1h50m04s
